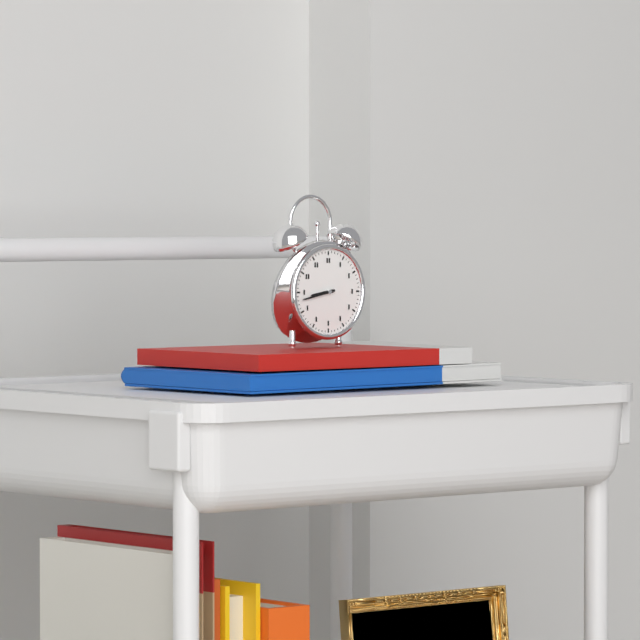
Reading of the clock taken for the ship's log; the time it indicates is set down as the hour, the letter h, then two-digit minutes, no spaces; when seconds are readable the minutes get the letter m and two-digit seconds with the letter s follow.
8h43
